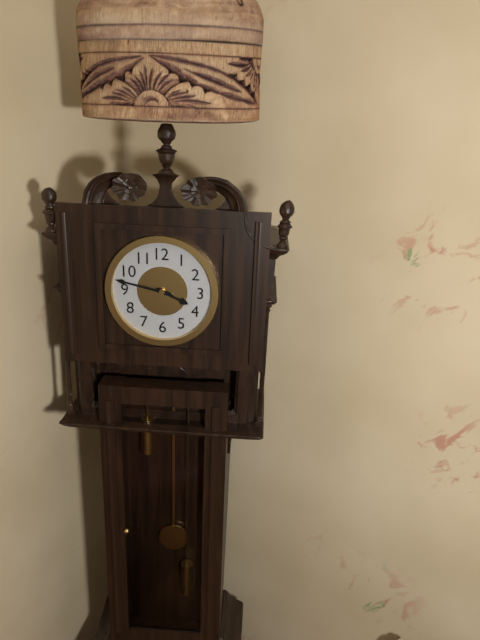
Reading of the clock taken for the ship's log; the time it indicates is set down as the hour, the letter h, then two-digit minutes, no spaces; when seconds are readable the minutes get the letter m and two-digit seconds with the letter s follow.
3h47
